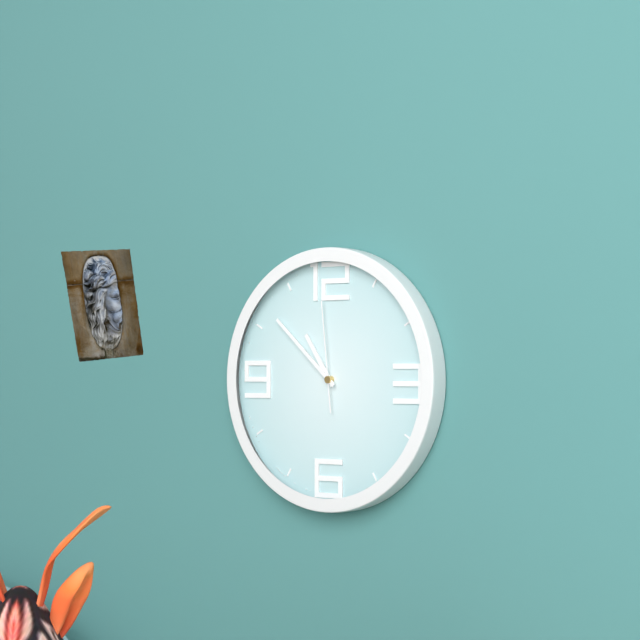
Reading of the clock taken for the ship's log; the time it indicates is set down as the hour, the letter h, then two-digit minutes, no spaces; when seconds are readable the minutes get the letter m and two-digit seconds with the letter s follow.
10h52m59s
